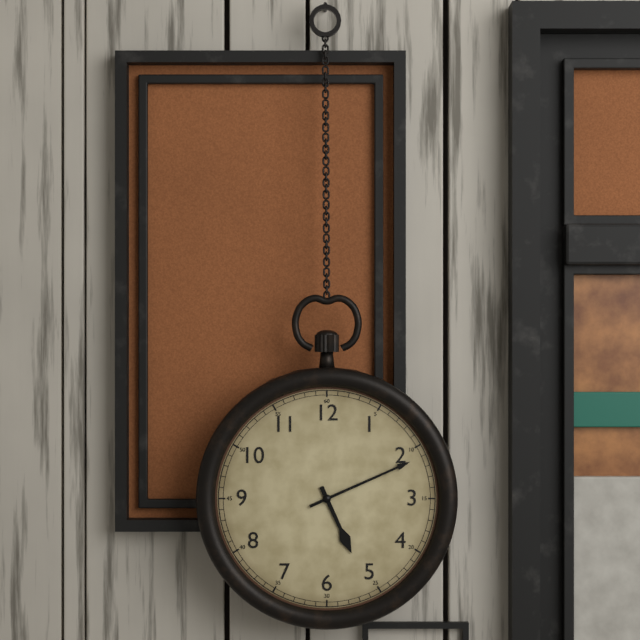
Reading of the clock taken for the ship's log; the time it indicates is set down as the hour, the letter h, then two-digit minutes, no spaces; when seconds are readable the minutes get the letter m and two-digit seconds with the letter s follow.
5h11
